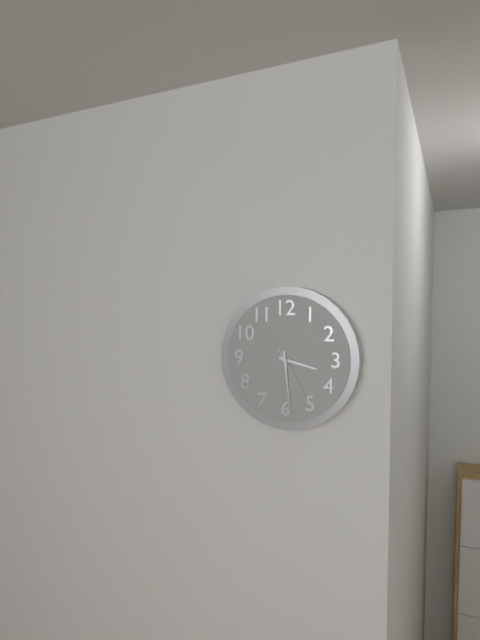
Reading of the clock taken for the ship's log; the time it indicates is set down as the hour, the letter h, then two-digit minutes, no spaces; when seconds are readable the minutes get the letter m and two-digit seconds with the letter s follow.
3h29m25s
